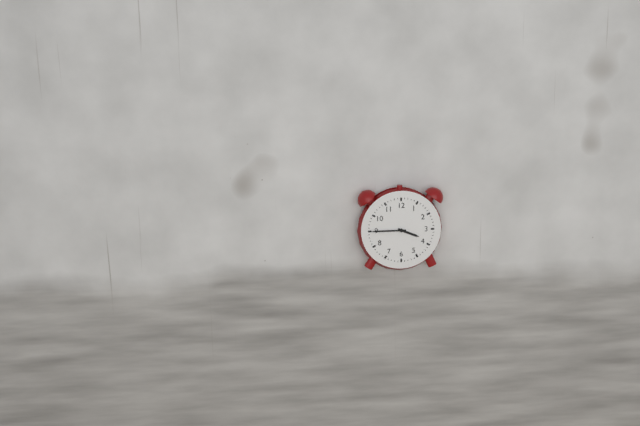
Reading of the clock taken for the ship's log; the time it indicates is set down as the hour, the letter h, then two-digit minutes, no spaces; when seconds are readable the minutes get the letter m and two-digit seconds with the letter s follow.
3h45
